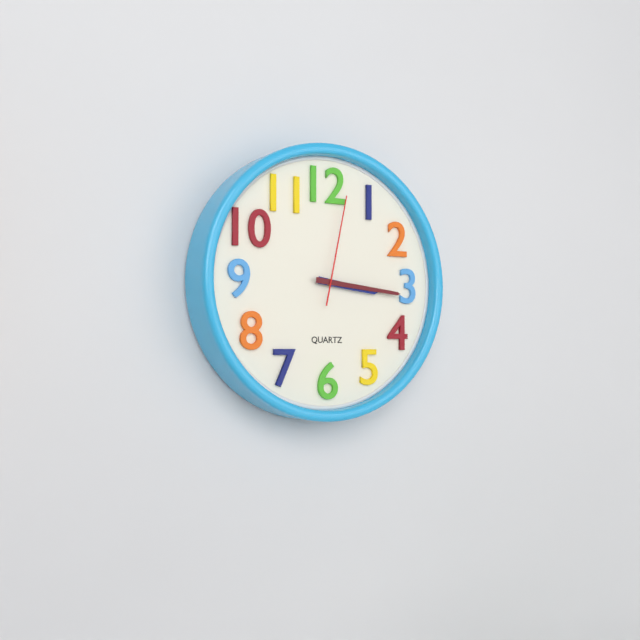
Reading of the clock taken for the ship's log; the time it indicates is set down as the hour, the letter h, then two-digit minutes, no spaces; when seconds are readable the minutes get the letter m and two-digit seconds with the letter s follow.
3h16m02s
